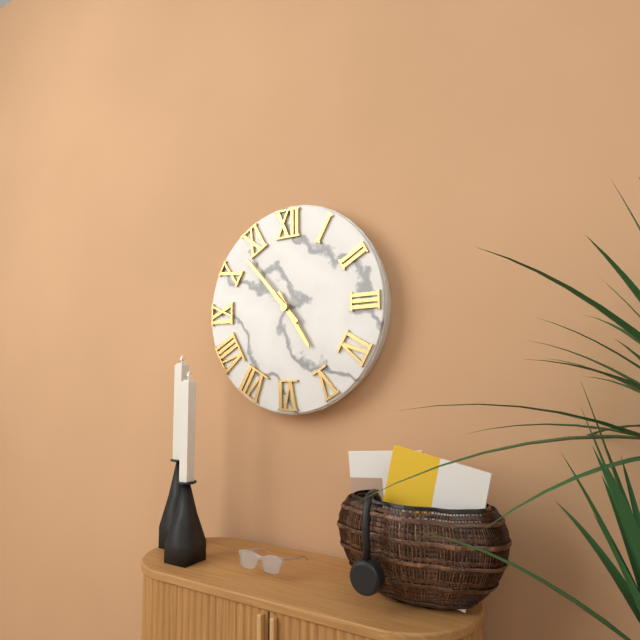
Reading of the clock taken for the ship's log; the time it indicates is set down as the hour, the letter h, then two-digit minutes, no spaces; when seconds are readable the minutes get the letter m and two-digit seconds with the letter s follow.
4h53
